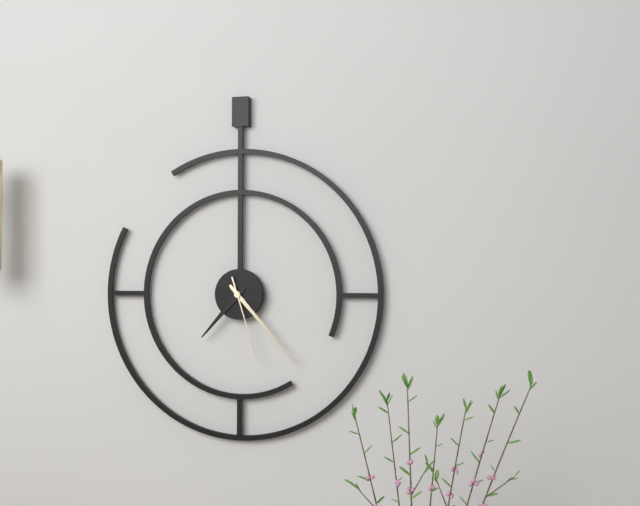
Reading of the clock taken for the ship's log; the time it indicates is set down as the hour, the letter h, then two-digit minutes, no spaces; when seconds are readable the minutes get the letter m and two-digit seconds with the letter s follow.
7h23m27s
